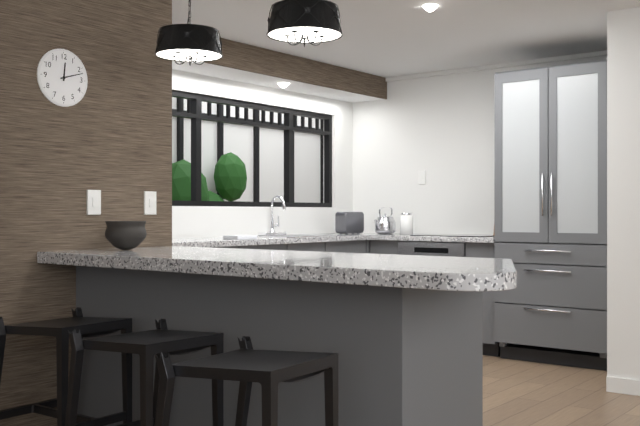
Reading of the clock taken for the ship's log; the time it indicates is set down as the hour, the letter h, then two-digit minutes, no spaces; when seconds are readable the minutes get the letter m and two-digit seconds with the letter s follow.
12h12
